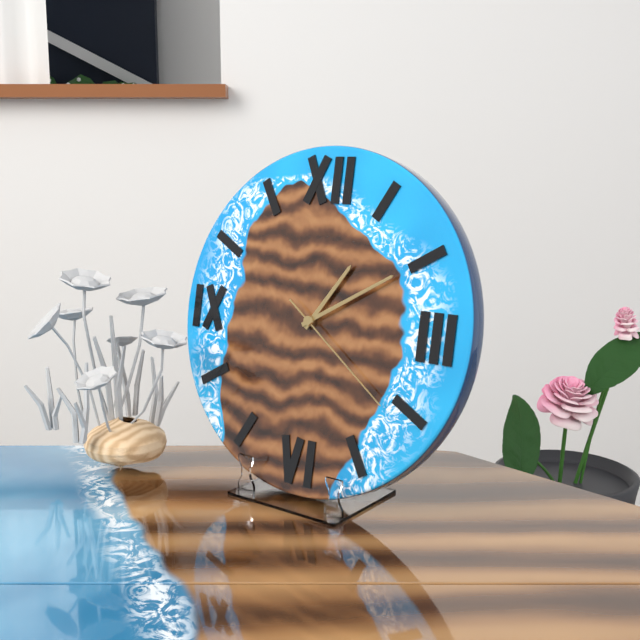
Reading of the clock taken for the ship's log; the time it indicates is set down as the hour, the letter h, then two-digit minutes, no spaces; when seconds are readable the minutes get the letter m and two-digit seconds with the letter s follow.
1h10m21s
